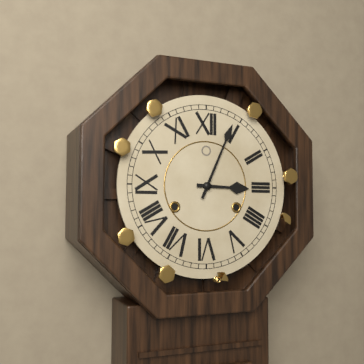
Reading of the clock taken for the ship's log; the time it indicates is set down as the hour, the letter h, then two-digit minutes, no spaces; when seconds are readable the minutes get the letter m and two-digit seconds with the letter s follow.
3h04
